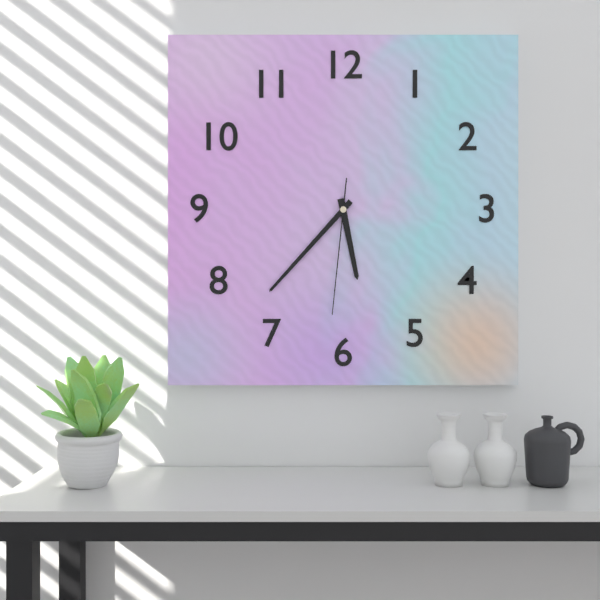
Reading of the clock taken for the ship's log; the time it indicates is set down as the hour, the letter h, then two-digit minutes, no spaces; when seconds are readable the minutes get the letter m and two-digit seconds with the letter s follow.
5h37m31s
